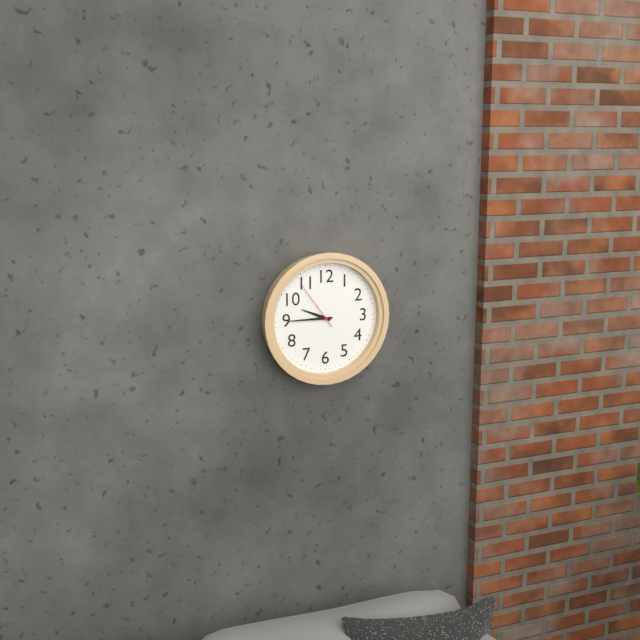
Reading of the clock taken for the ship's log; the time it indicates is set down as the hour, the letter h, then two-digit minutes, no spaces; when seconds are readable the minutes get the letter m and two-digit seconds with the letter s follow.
9h45m54s
